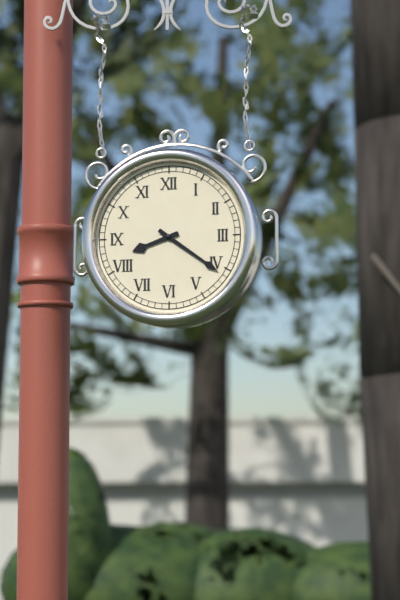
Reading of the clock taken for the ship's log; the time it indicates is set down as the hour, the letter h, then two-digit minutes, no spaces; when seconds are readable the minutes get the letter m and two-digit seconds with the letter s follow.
8h21
